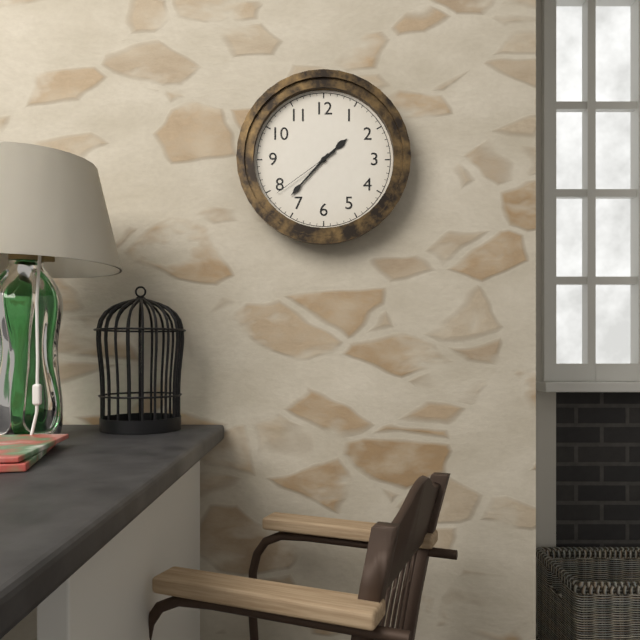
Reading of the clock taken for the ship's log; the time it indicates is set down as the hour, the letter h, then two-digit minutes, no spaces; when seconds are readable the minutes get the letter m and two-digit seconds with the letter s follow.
1h37m39s
